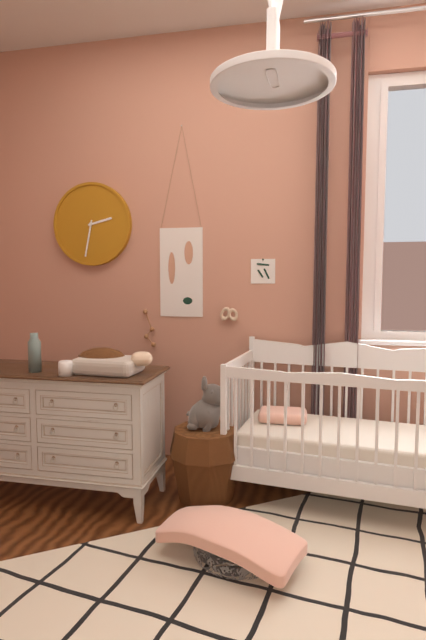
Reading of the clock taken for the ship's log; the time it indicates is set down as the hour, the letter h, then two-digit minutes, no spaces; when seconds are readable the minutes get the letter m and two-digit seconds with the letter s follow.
2h32
